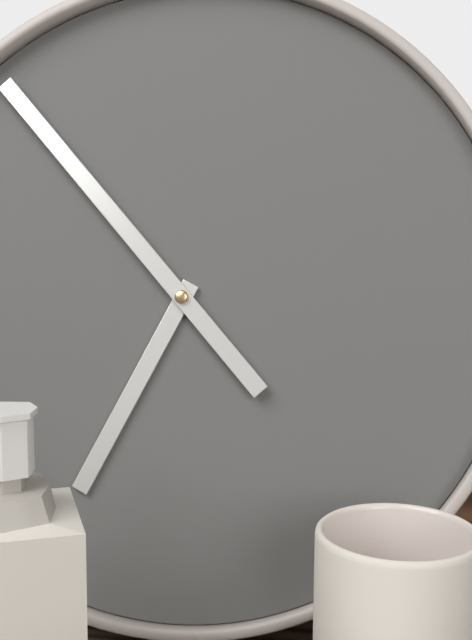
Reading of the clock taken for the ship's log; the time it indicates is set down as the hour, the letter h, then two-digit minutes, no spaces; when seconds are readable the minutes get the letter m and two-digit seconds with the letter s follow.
6h53
